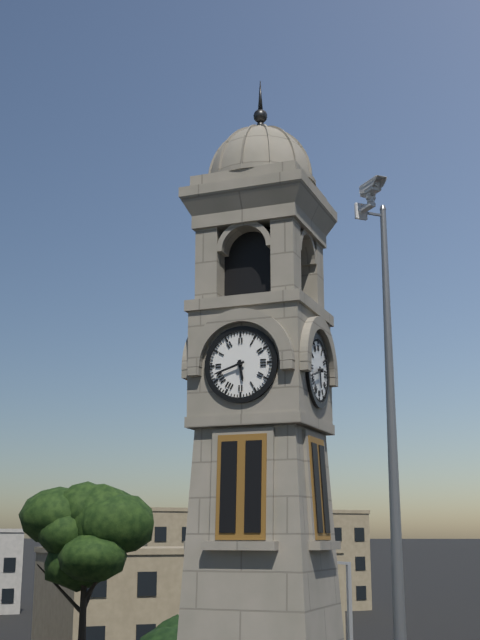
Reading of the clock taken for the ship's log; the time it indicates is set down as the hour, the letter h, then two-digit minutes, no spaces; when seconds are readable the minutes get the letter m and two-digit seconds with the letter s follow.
5h42
